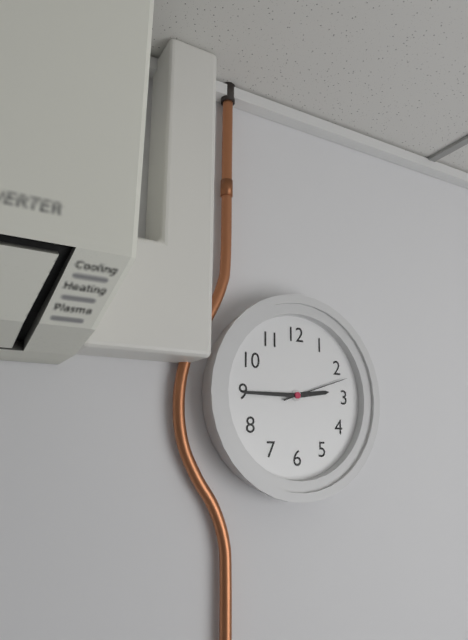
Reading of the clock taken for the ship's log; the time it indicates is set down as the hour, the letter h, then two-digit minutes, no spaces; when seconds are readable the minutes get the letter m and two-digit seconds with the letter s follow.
2h45m12s
